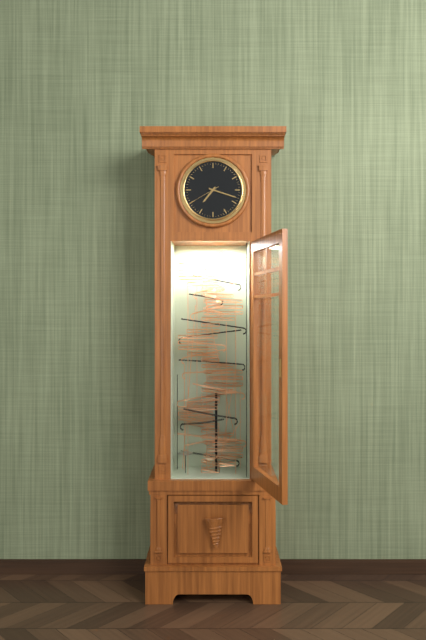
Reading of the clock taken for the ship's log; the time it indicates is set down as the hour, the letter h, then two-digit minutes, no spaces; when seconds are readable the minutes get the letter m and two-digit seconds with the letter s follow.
7h18
